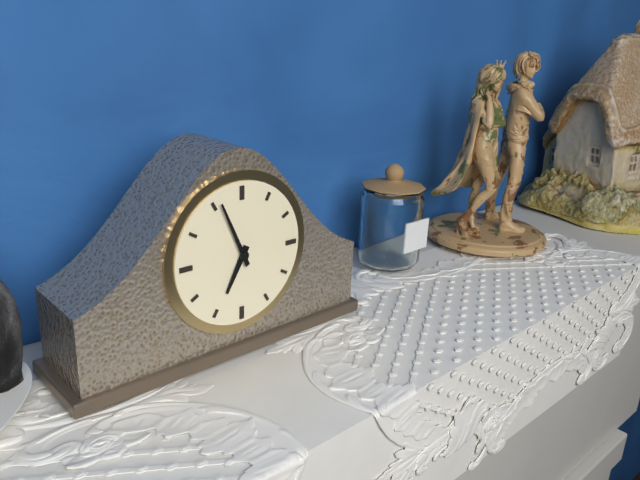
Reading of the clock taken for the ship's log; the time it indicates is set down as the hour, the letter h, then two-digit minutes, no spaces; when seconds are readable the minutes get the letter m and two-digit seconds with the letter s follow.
6h56
